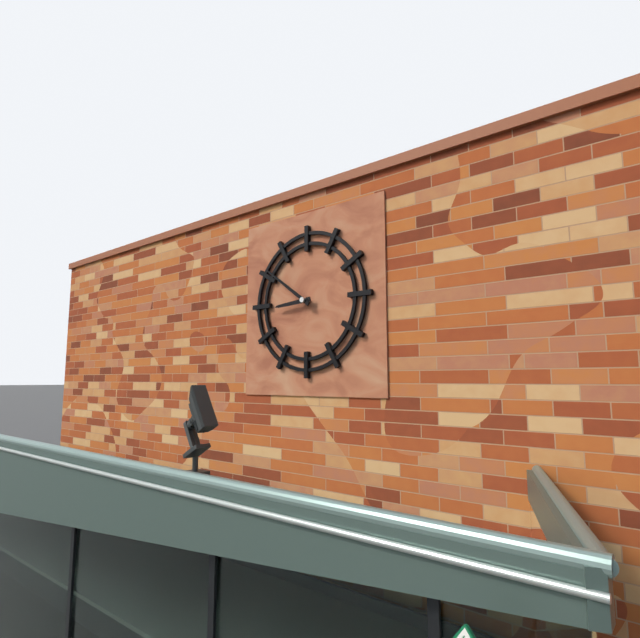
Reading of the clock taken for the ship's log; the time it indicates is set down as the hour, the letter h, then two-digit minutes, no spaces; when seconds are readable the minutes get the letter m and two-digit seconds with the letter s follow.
8h51
